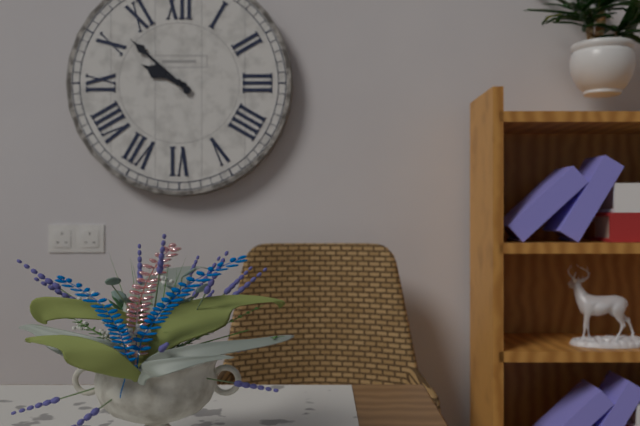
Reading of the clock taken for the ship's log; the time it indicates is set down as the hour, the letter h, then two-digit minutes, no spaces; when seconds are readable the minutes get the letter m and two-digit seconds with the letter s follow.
9h52
